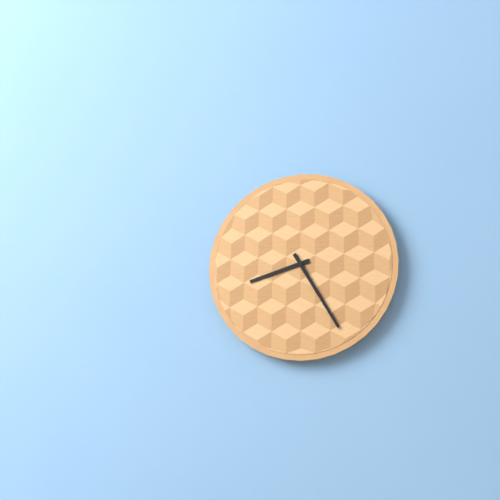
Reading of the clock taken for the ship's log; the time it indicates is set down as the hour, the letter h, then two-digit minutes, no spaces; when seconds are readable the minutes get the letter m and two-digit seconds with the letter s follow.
8h25
